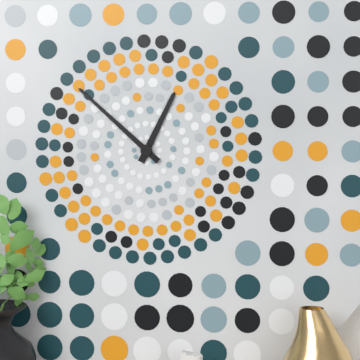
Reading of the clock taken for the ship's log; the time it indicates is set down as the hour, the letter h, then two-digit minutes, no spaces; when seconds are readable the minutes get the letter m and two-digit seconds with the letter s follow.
12h52
